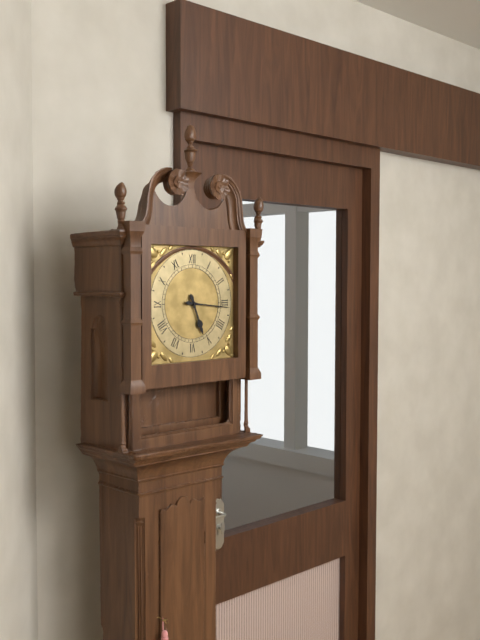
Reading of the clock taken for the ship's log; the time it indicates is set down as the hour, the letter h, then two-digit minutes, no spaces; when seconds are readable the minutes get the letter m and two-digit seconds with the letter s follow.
5h16
